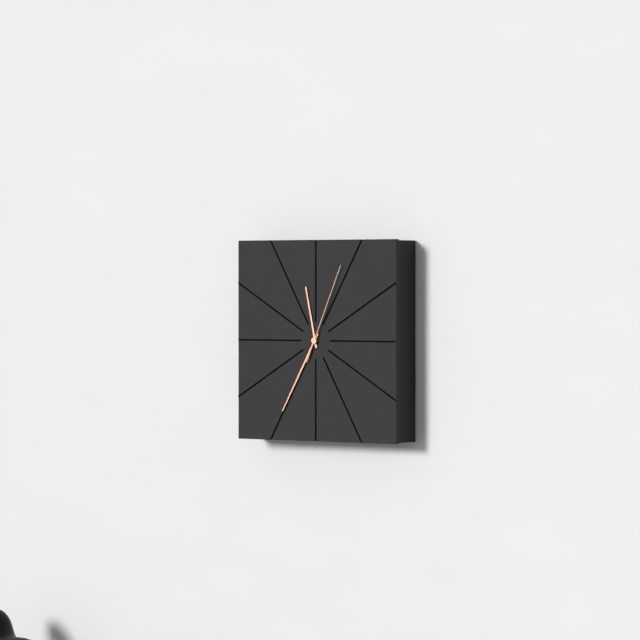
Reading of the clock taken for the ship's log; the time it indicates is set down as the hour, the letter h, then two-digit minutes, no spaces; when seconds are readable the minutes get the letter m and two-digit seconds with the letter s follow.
11h35m04s
